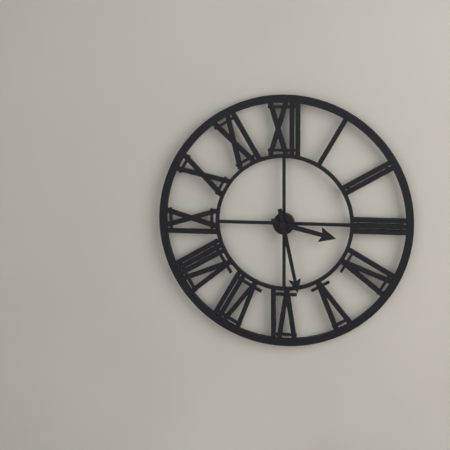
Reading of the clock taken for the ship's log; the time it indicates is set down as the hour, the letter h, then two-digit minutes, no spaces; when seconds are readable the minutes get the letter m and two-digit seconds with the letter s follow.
3h28
